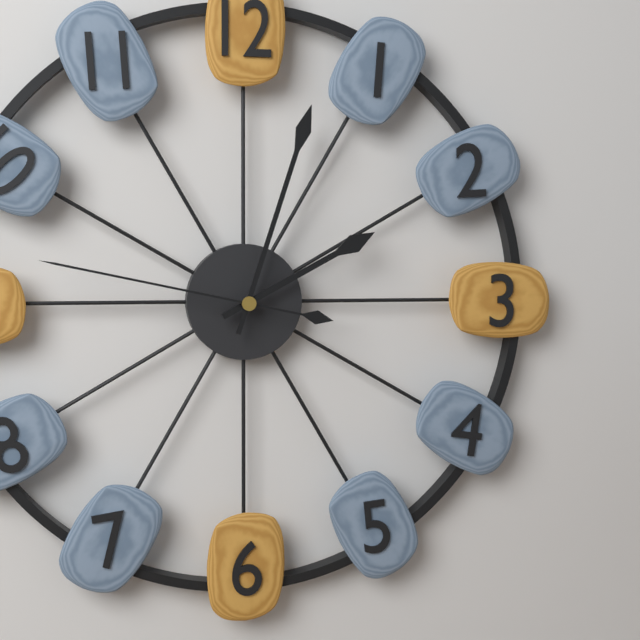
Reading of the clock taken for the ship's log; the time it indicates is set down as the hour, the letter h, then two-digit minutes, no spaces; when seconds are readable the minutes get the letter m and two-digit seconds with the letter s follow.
2h03m47s
